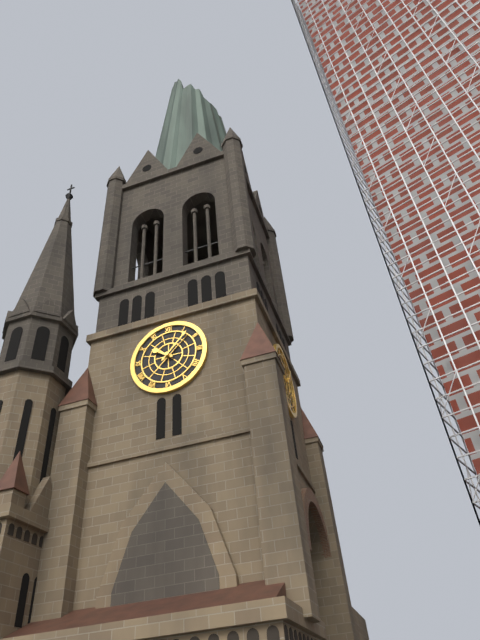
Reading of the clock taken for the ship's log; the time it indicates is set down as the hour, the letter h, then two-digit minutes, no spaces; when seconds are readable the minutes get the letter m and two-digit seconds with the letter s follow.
10h07
